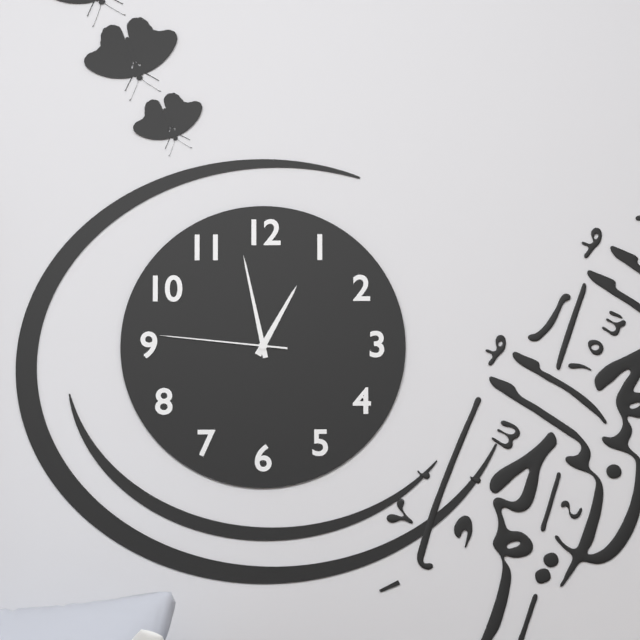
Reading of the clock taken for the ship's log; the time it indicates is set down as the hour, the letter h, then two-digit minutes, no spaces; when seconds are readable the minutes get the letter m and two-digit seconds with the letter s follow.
12h58m46s
